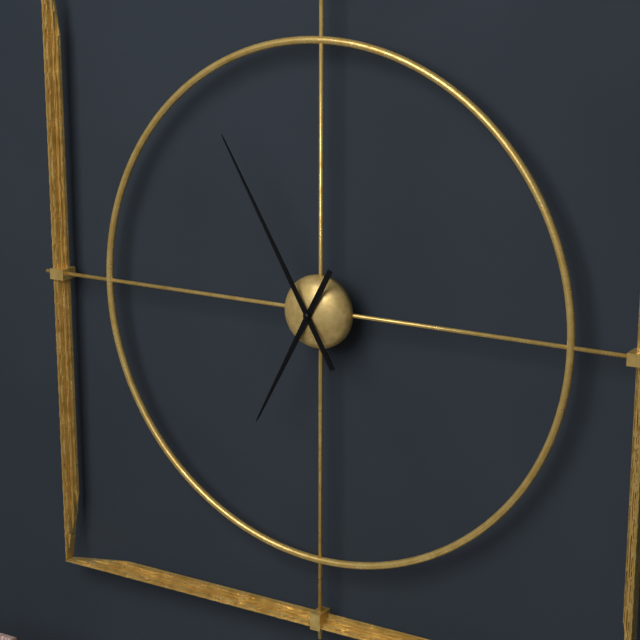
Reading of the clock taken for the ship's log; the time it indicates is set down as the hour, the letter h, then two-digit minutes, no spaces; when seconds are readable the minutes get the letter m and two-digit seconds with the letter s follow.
6h55
